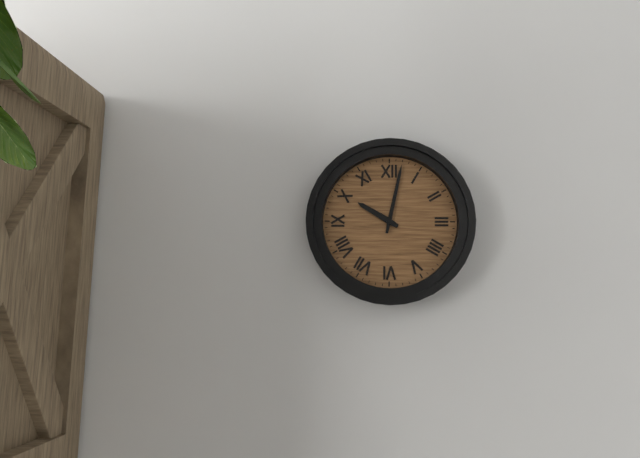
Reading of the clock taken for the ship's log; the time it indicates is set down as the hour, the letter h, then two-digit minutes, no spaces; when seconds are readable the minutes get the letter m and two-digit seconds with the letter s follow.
10h02
